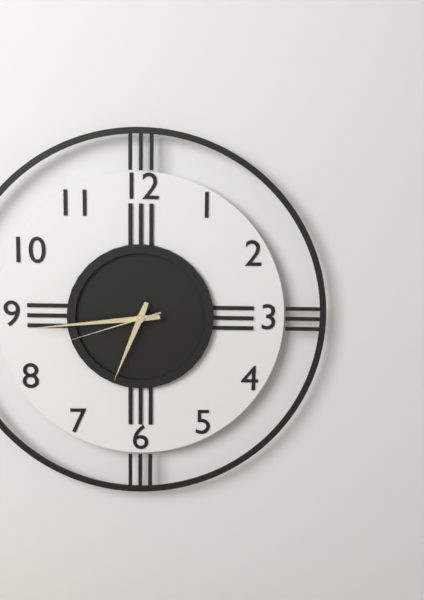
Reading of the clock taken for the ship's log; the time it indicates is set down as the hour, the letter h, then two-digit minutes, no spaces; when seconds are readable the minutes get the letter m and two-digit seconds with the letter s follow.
6h44m42s
